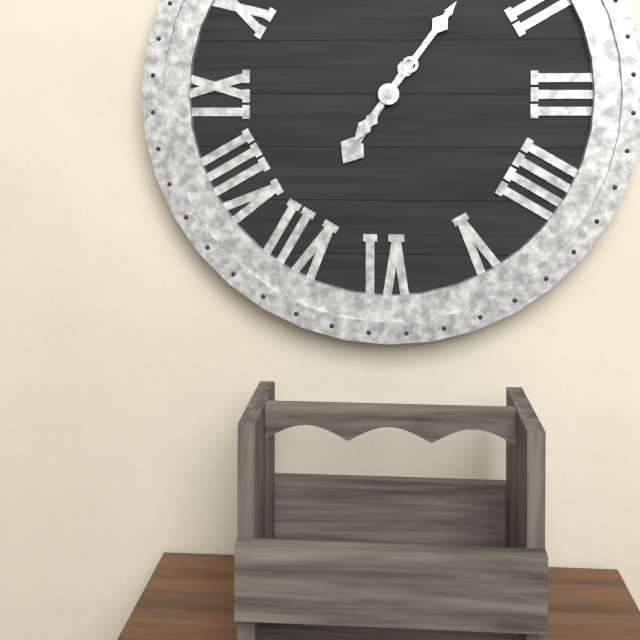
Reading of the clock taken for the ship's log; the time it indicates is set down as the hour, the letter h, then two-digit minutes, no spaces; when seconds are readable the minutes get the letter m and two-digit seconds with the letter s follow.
7h06
